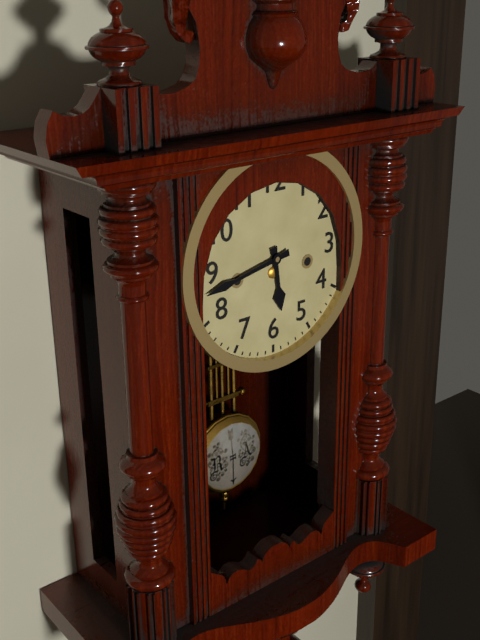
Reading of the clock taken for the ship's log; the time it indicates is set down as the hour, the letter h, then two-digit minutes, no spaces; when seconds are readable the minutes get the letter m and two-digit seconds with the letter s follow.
5h43
